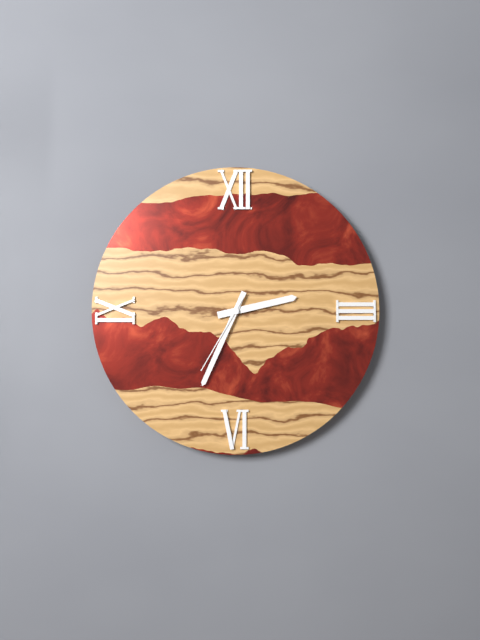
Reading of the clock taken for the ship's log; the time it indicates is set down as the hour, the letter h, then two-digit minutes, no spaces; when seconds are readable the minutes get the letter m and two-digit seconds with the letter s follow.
2h34m35s
